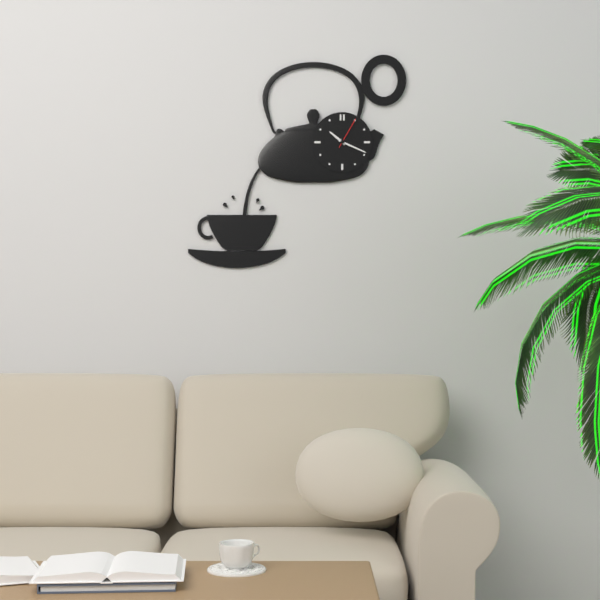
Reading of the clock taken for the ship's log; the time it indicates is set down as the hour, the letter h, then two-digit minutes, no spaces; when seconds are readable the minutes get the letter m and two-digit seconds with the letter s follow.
10h19
